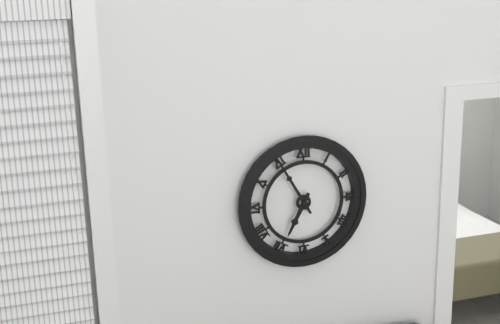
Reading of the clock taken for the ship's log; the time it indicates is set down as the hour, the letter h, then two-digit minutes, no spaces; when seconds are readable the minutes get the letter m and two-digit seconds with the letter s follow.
6h55
